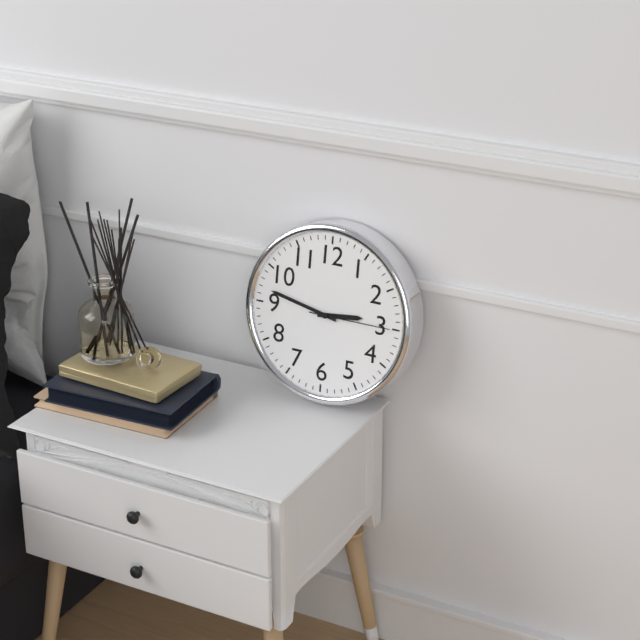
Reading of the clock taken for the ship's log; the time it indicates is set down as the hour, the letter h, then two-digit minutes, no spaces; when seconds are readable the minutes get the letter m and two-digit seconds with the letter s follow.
2h47m15s
